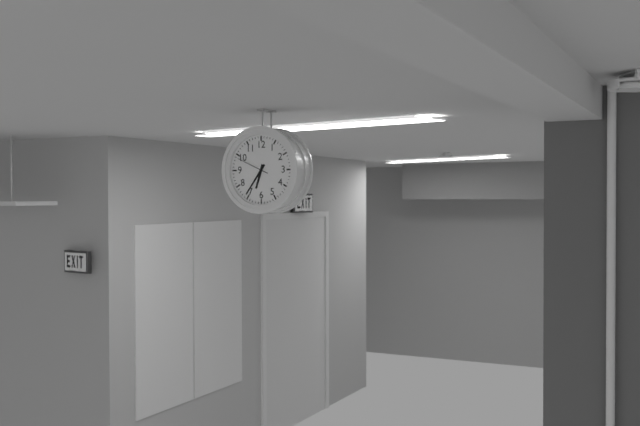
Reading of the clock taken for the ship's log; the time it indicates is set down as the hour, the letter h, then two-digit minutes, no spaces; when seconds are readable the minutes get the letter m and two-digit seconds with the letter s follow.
6h36
